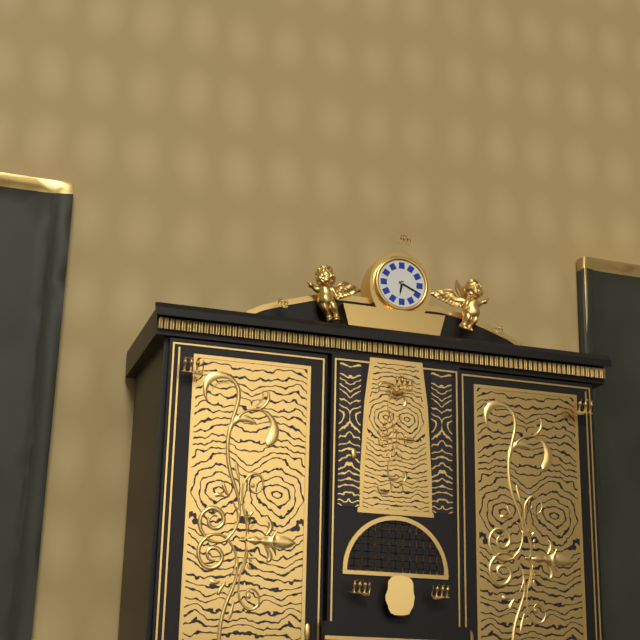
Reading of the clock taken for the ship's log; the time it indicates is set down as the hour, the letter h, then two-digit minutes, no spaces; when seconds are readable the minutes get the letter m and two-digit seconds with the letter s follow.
6h19
